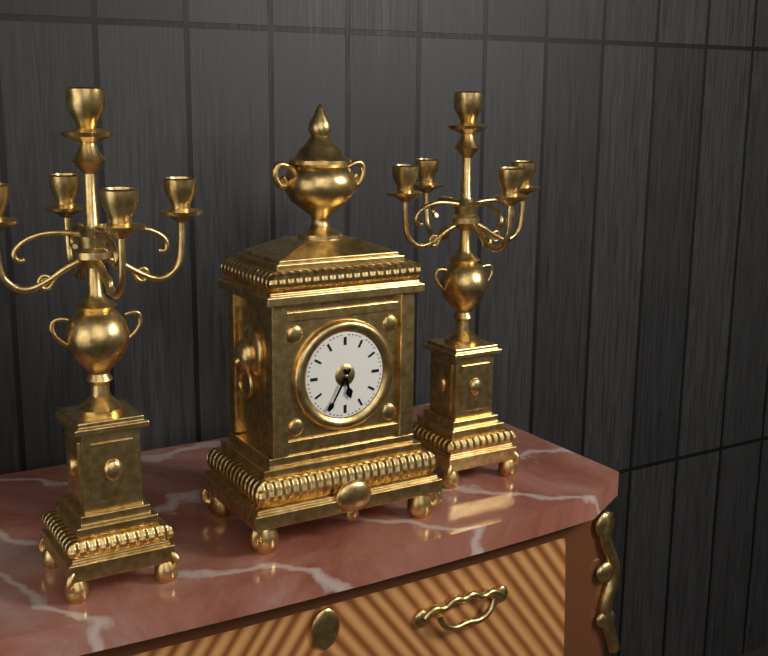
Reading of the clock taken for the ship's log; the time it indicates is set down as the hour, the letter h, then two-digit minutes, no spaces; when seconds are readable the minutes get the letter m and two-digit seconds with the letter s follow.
5h35
